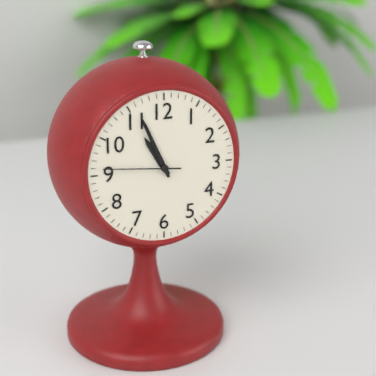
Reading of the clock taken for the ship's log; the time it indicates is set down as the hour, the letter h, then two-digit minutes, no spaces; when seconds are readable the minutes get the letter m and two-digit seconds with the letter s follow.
10h56m46s
